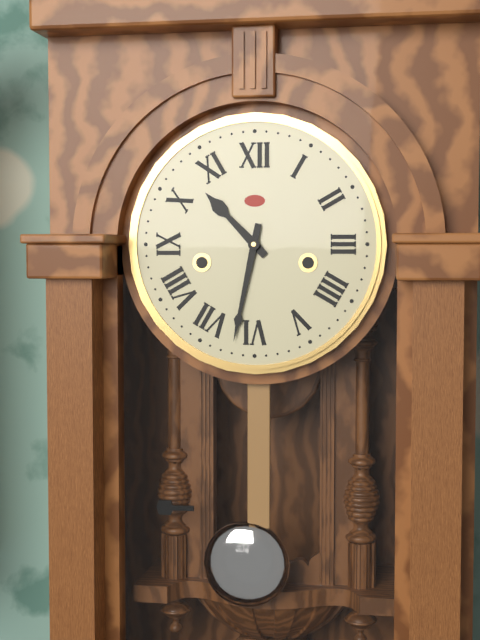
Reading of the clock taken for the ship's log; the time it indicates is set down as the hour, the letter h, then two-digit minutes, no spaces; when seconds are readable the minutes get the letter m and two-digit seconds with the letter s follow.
10h32
